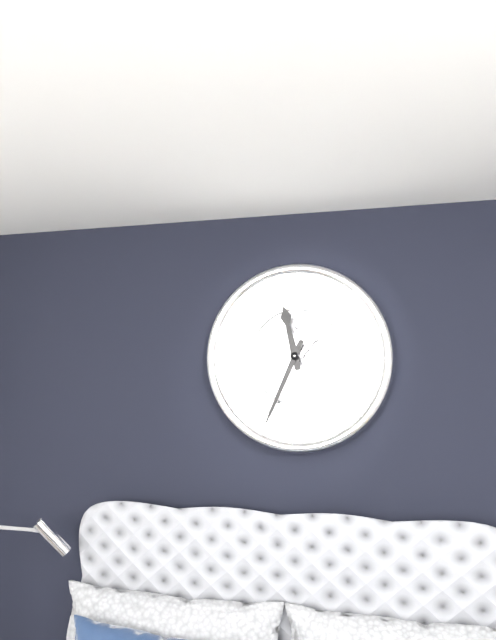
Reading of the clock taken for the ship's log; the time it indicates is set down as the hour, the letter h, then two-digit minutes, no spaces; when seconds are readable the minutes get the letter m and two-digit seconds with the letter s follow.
11h34
